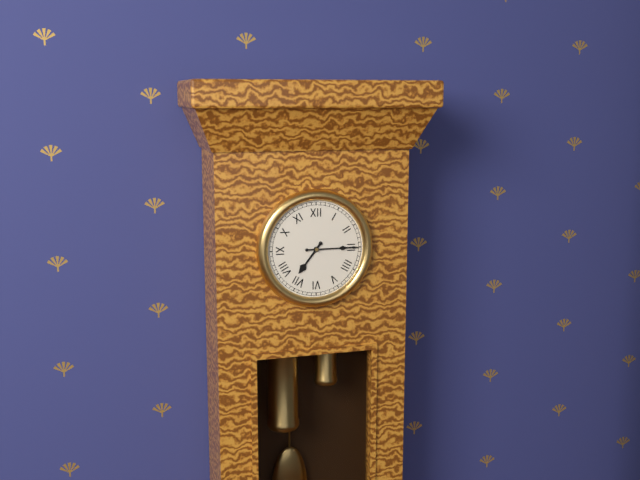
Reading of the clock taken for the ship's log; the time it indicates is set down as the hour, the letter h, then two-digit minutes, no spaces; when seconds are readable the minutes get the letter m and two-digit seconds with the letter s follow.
7h15
